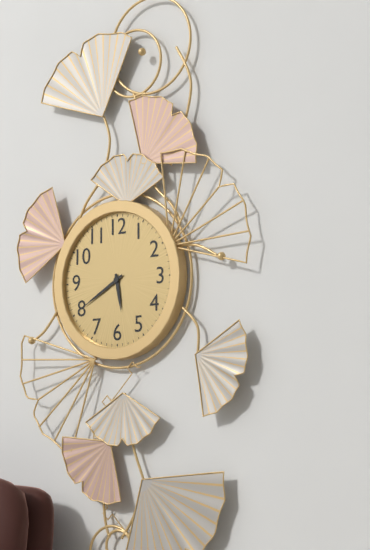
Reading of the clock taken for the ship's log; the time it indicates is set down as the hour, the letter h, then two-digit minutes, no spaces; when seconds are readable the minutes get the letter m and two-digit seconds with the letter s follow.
5h40
